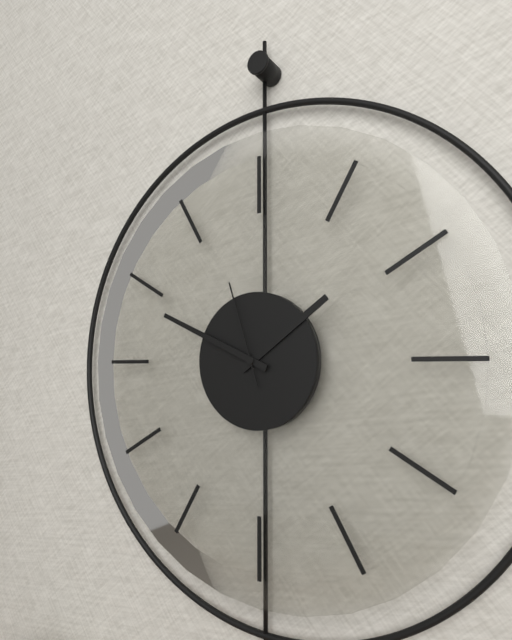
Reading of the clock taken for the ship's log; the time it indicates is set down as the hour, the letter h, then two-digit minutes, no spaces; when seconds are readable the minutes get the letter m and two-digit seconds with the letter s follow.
1h49m57s
